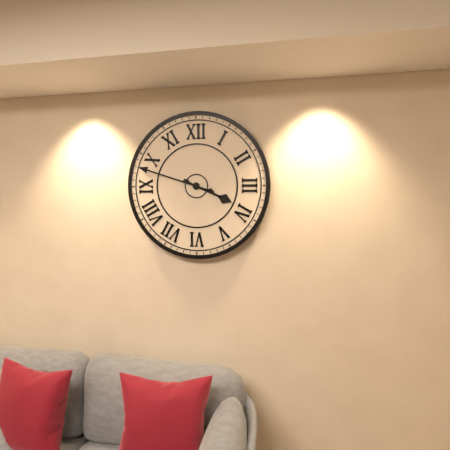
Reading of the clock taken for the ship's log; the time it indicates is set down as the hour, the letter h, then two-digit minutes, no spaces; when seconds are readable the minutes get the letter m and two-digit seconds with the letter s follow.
3h48
